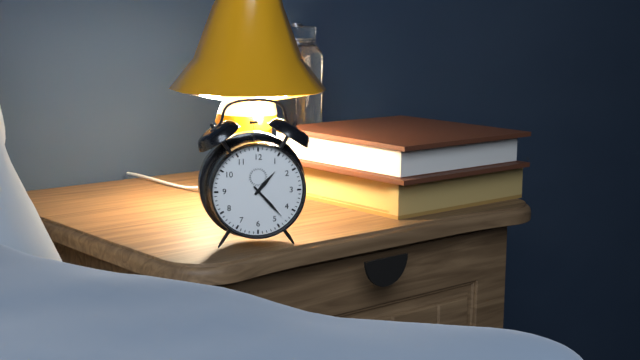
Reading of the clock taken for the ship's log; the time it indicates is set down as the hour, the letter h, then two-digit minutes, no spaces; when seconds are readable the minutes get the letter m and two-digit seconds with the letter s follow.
1h23
